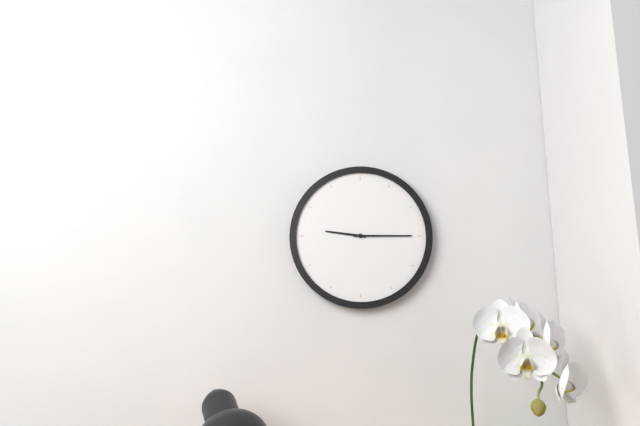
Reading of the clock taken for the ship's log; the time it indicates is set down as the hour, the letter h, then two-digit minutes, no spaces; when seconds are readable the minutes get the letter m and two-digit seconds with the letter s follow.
9h15
